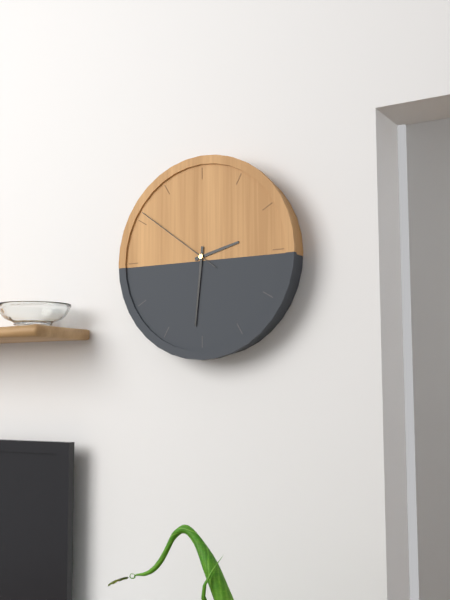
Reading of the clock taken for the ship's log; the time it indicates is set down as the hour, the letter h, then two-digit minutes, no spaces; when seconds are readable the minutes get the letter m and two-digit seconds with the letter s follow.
2h31m51s
